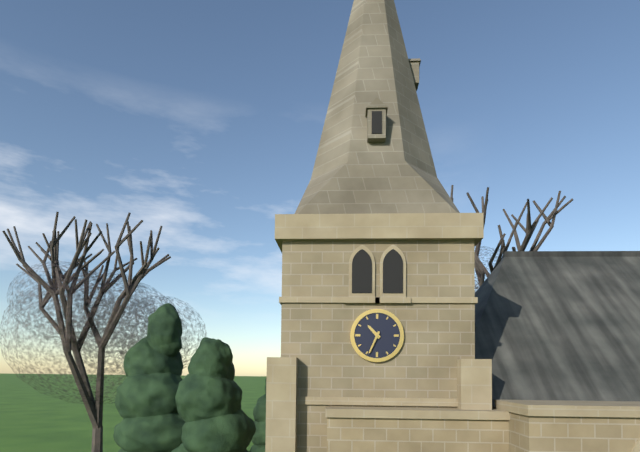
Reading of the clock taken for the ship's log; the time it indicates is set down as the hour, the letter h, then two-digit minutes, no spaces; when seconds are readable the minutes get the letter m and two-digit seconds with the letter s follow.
10h34
